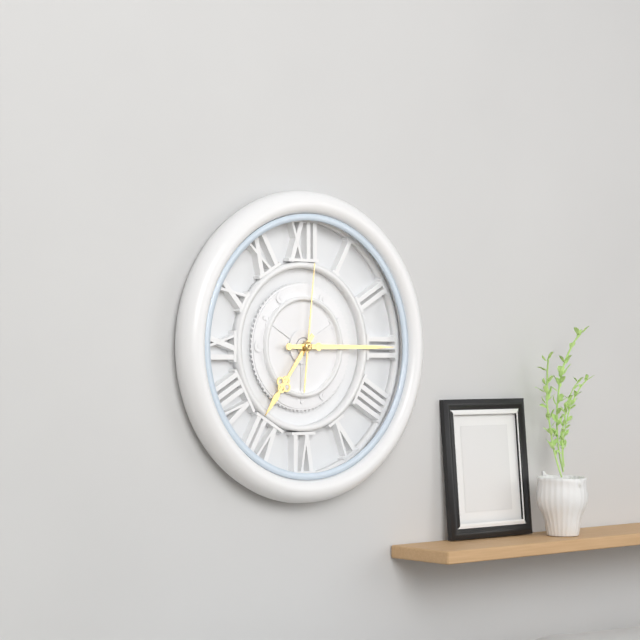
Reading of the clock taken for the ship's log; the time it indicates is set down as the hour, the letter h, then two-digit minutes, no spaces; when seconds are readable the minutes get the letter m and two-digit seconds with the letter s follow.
7h15m01s
